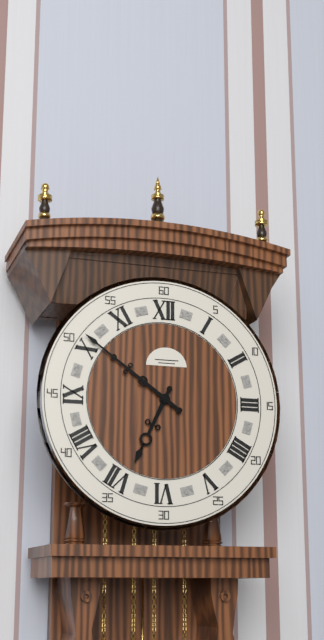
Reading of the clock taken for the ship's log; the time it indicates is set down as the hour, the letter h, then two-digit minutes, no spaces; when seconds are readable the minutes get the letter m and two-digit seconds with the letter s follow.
6h51
